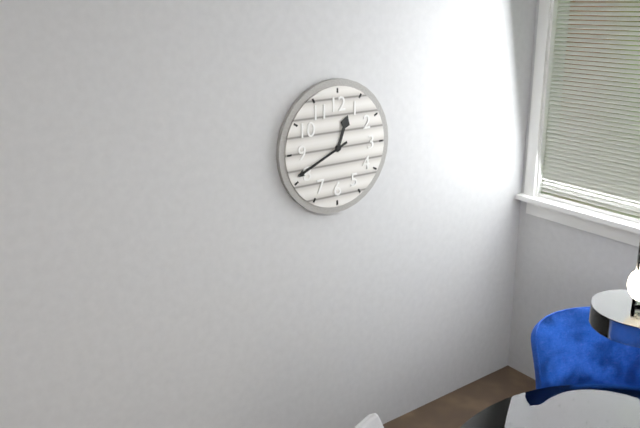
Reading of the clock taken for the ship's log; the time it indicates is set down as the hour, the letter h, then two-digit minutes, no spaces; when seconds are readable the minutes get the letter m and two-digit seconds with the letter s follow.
12h41
